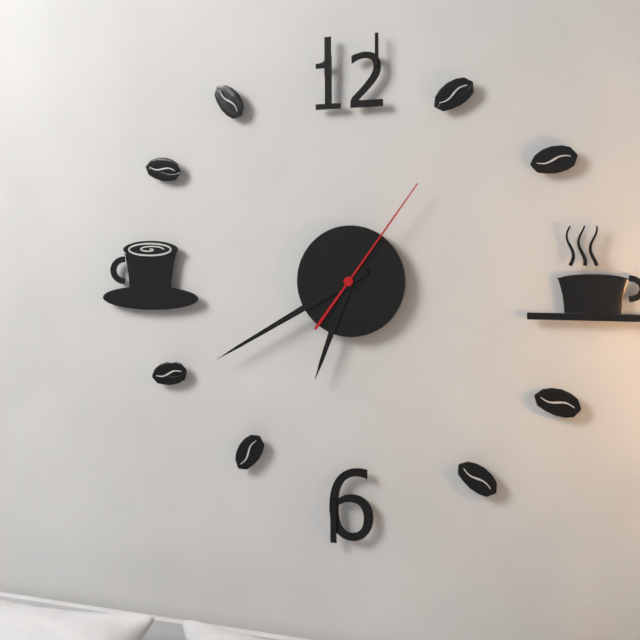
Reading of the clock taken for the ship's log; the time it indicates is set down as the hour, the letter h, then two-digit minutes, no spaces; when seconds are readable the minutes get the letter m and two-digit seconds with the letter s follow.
6h40m06s
